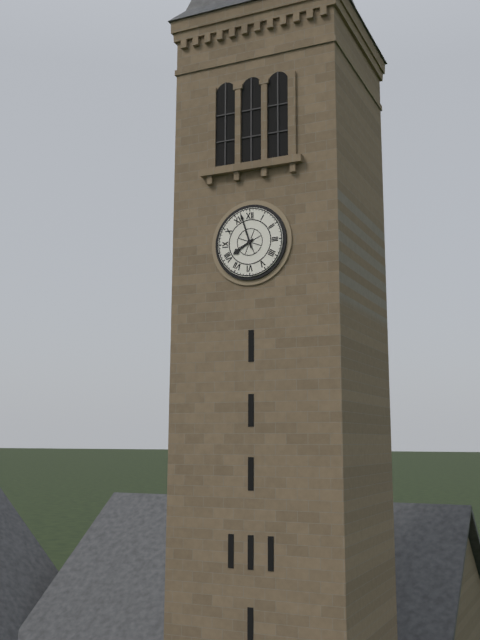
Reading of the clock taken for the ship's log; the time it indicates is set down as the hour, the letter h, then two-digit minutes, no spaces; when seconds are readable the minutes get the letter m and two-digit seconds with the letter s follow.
7h57
